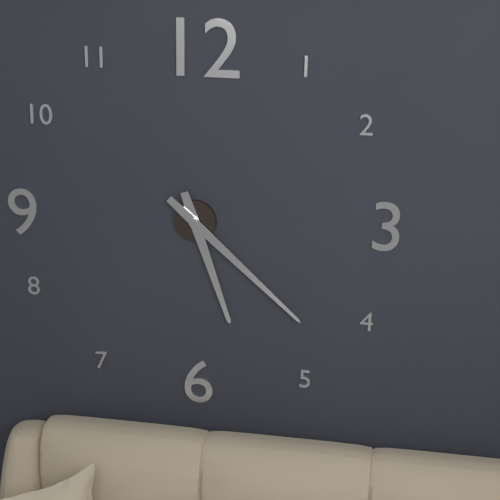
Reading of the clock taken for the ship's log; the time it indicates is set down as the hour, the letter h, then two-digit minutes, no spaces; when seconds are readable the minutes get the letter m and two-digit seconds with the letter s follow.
5h22
